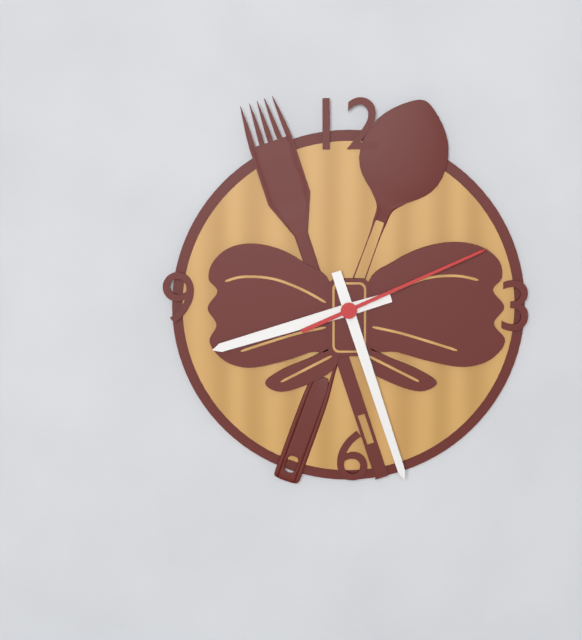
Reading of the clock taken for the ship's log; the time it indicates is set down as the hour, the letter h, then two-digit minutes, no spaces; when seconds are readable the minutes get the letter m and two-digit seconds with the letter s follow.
8h27m11s
